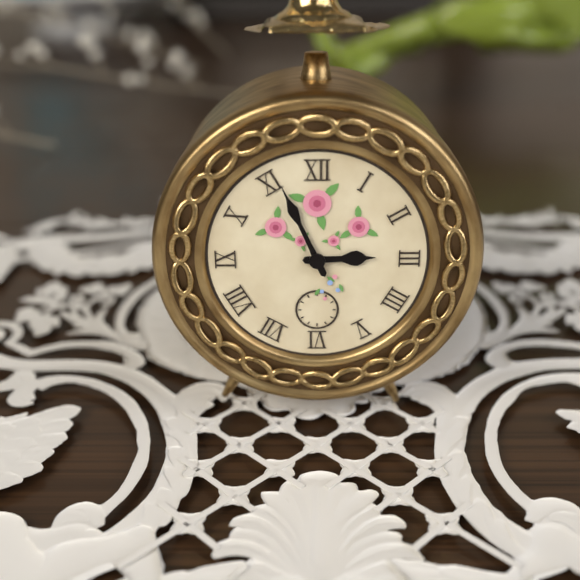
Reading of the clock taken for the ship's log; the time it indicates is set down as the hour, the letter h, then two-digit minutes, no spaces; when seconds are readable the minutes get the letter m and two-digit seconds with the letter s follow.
2h56
